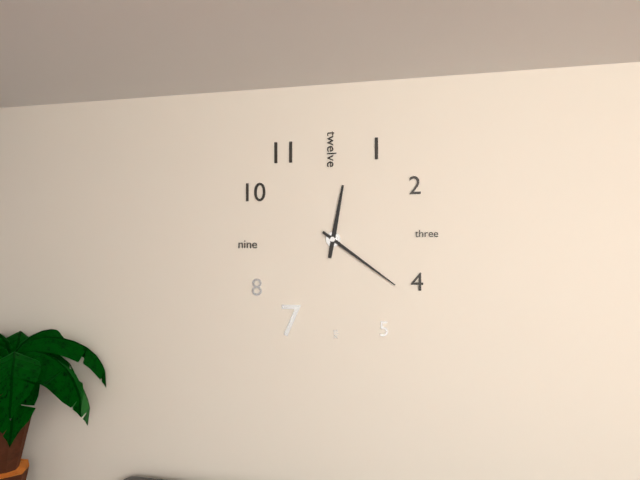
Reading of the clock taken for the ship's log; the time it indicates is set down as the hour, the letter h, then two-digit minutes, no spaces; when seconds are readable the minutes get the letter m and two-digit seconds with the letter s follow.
12h21
